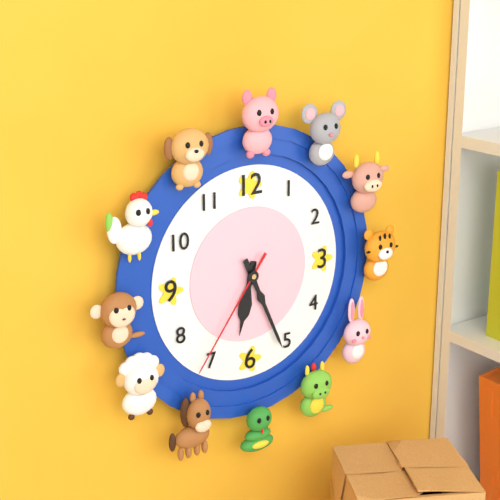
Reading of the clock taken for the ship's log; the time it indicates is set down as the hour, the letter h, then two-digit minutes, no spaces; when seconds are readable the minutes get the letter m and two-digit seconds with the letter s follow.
6h26m36s
